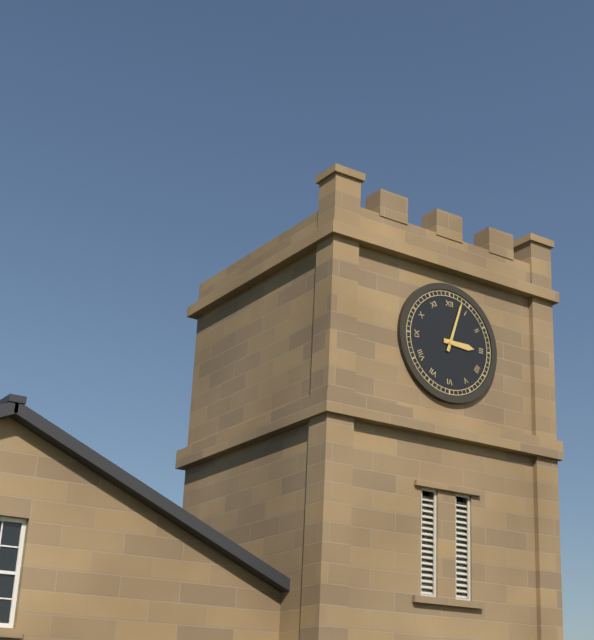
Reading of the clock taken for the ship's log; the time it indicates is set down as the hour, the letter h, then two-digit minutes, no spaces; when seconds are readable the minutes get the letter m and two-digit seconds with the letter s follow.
3h03
